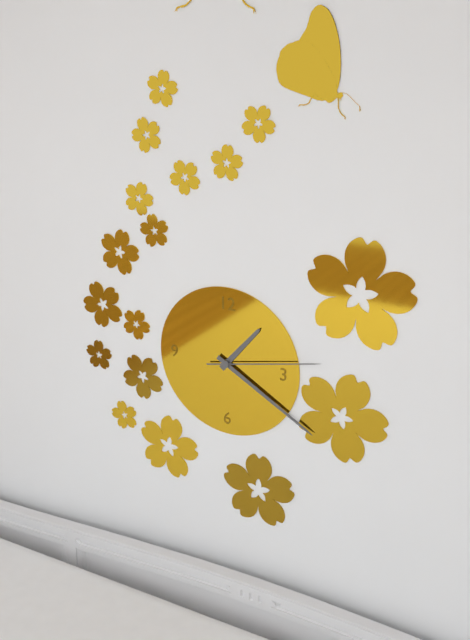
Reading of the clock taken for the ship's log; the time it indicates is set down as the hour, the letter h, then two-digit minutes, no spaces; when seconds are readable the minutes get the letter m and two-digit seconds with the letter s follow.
1h20m13s
